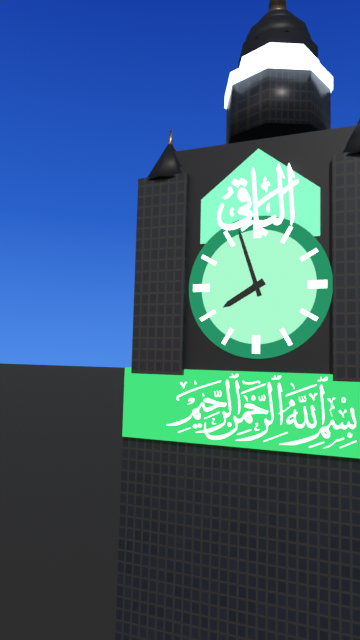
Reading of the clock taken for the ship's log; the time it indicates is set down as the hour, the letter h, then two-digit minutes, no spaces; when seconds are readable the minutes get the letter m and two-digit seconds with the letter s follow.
7h57
